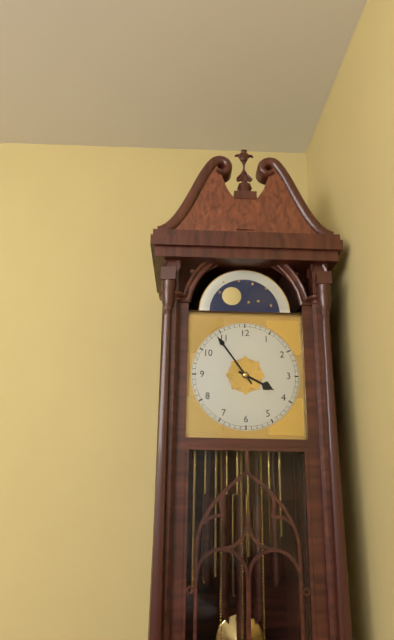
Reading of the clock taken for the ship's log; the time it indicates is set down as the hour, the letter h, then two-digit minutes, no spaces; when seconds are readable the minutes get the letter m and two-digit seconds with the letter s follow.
3h54
